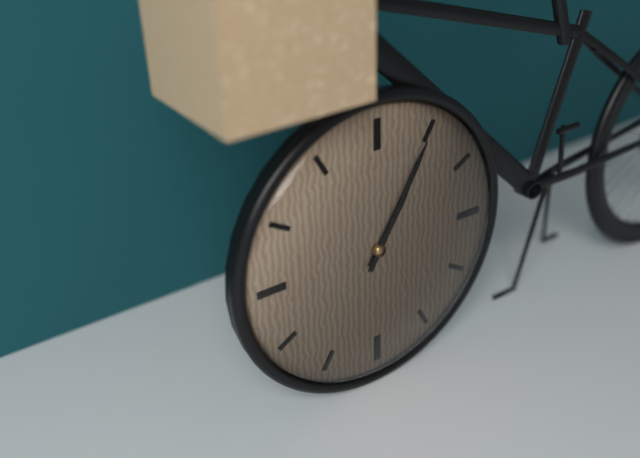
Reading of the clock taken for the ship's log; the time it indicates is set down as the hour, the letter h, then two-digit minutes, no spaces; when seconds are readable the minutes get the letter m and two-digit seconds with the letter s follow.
1h05
